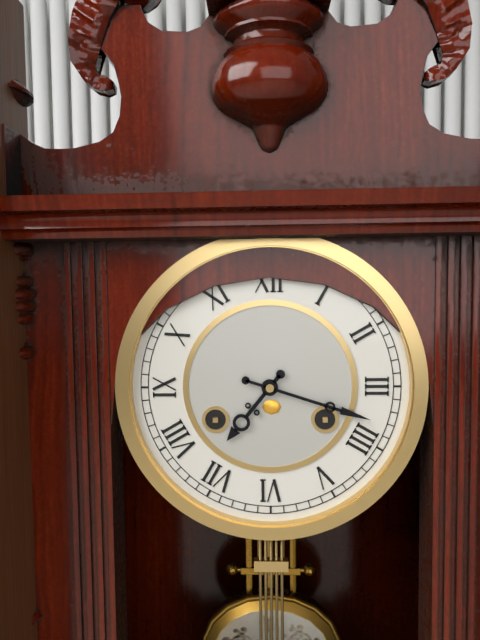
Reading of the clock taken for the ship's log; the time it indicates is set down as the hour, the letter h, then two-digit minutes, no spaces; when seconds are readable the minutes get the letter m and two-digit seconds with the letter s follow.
7h18
